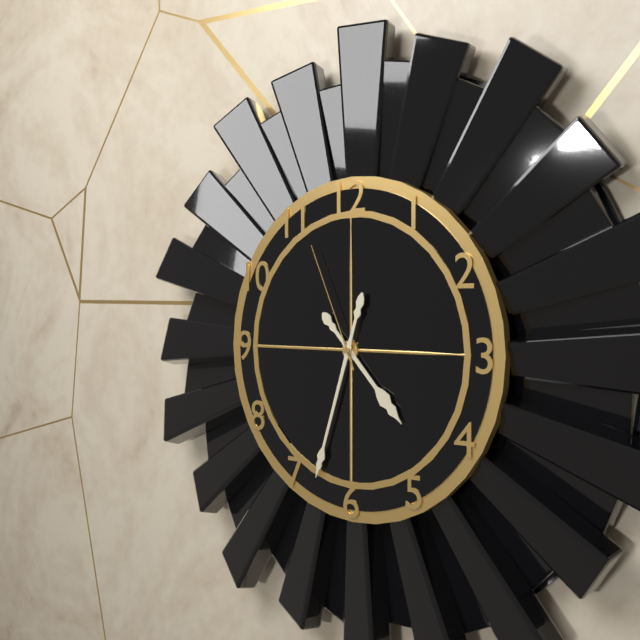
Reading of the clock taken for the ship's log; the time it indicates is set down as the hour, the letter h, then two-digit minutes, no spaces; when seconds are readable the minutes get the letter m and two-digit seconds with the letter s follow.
4h33m56s
